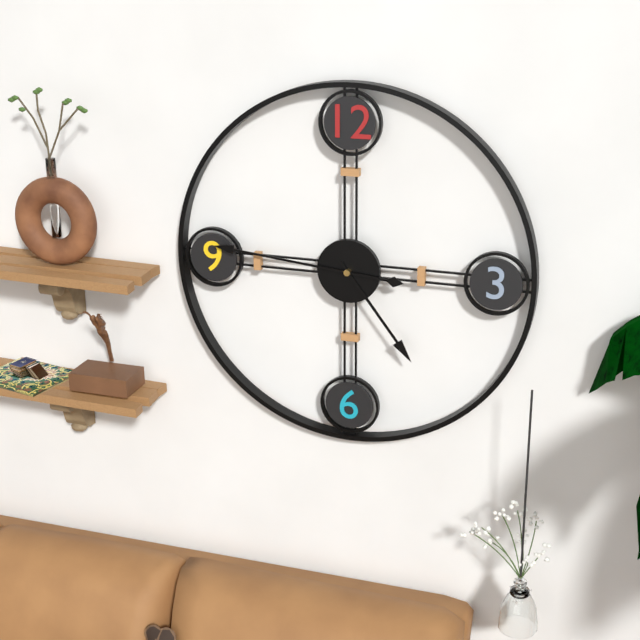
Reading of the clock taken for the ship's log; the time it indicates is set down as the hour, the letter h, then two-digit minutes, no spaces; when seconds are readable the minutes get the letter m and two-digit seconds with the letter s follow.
4h46
